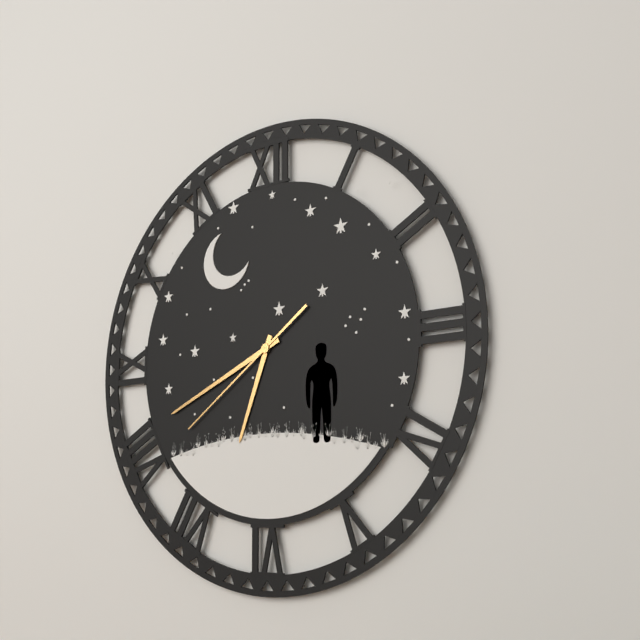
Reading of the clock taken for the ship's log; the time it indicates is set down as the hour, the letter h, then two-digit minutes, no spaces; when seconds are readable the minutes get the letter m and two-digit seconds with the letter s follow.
6h41m39s
